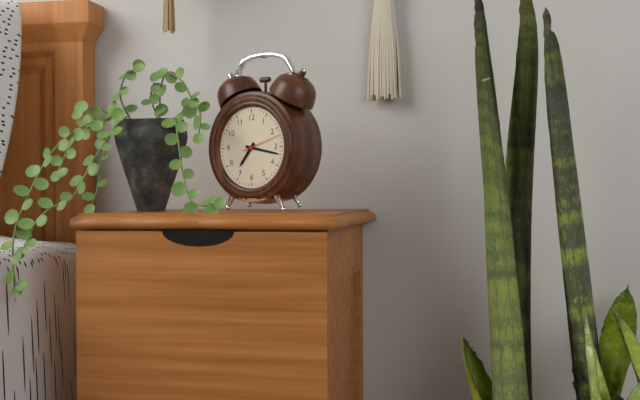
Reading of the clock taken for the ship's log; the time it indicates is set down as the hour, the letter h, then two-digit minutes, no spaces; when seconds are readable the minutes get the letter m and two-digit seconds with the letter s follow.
7h17
